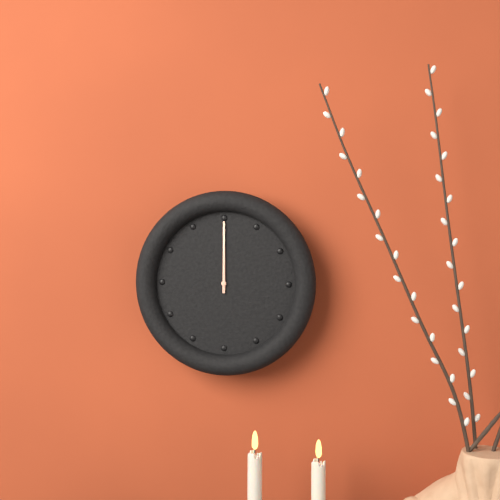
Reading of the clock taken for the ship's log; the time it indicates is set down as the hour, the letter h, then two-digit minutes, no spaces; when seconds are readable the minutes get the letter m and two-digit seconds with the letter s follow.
12h00
